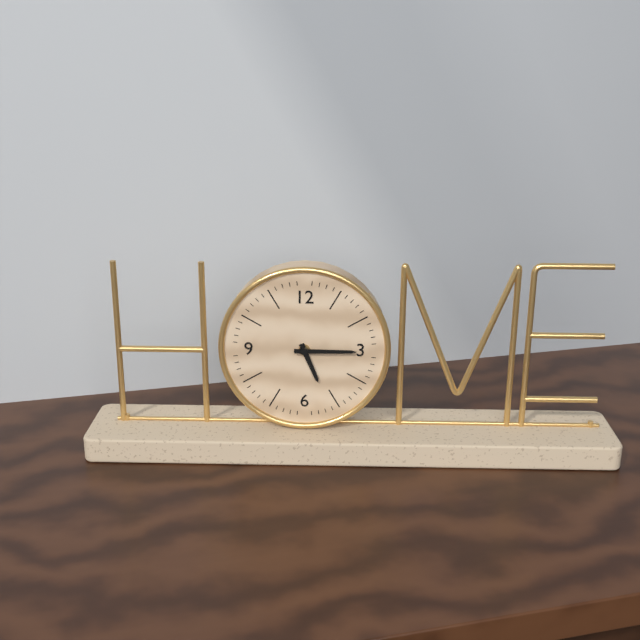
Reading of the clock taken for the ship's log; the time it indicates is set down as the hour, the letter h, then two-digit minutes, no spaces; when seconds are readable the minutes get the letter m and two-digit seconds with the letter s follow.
5h15
